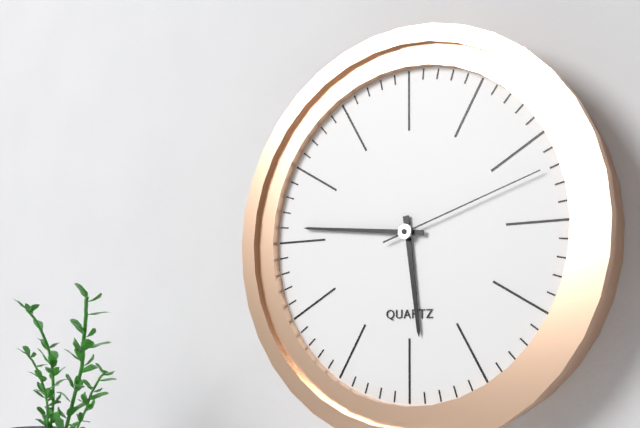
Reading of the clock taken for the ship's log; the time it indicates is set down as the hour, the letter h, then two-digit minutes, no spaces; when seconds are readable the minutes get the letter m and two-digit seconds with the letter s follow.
5h46m12s
